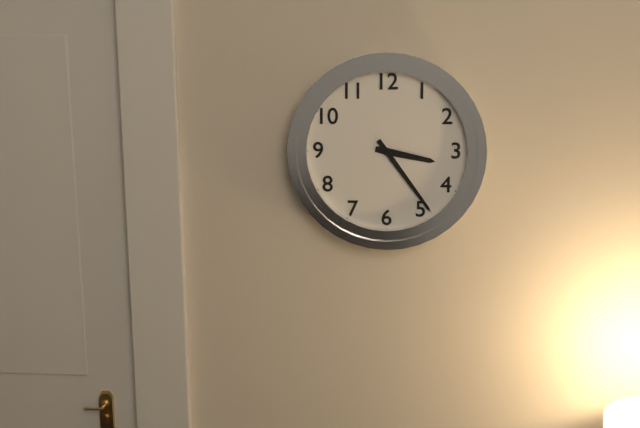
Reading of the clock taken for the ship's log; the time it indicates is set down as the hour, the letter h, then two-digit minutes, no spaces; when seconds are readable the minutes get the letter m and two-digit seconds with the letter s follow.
3h24
